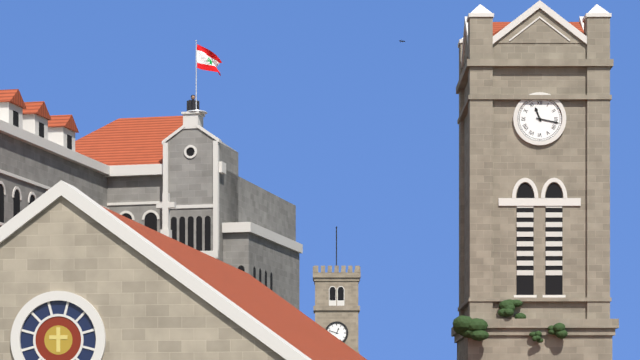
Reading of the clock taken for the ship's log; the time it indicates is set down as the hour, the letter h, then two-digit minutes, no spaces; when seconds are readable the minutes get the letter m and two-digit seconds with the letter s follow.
11h17
